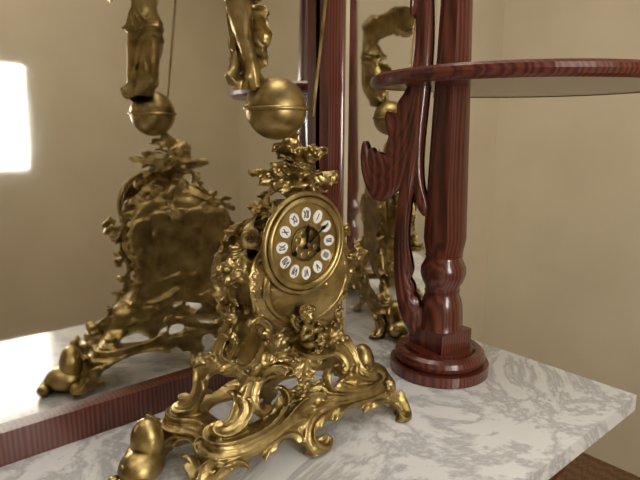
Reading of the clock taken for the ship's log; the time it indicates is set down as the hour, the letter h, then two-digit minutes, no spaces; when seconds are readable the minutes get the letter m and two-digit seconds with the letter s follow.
12h09
